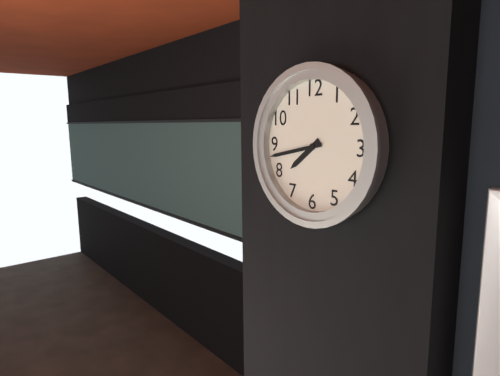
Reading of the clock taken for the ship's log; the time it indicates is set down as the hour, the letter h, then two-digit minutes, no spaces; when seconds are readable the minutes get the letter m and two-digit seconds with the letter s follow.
7h43
